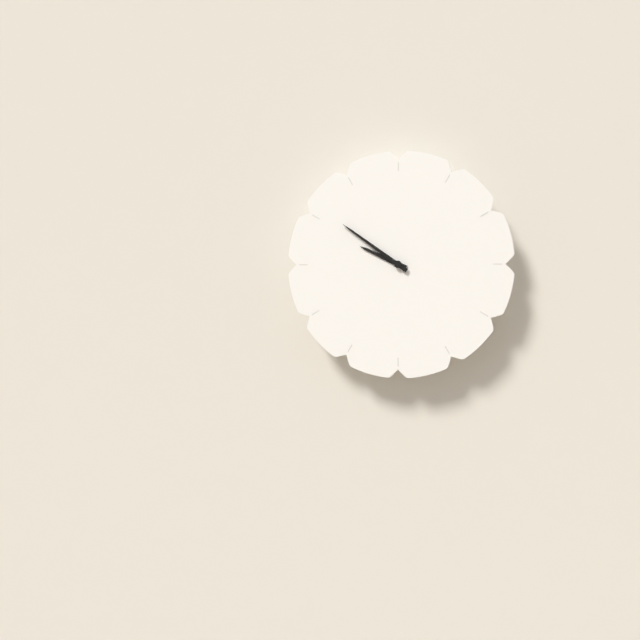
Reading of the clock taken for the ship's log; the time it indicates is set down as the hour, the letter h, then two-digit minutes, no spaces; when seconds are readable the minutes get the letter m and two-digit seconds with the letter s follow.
9h51
